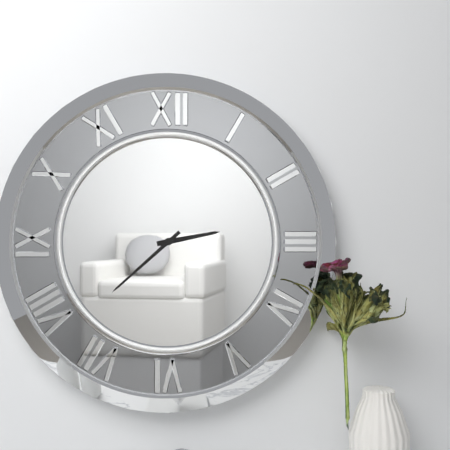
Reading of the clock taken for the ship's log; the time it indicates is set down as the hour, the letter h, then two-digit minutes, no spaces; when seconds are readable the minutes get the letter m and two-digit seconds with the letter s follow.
2h38
